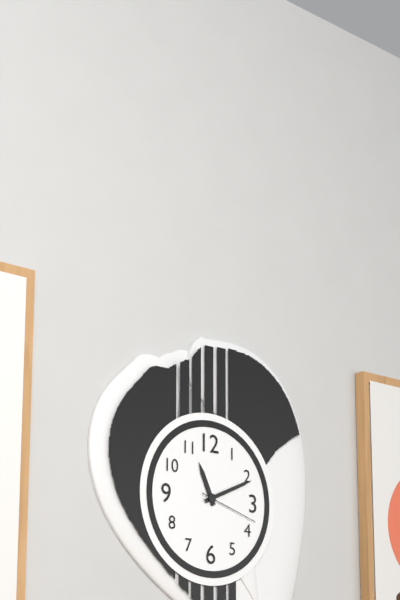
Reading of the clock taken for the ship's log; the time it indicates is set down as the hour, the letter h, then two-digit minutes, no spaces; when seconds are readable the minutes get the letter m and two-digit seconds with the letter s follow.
11h11m18s
